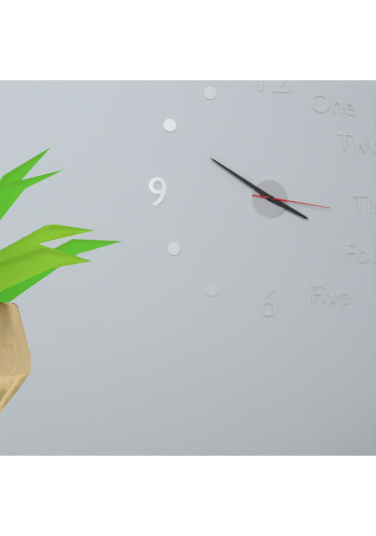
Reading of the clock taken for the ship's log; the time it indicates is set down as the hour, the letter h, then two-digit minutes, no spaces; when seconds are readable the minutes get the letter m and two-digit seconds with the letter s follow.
3h50m16s
